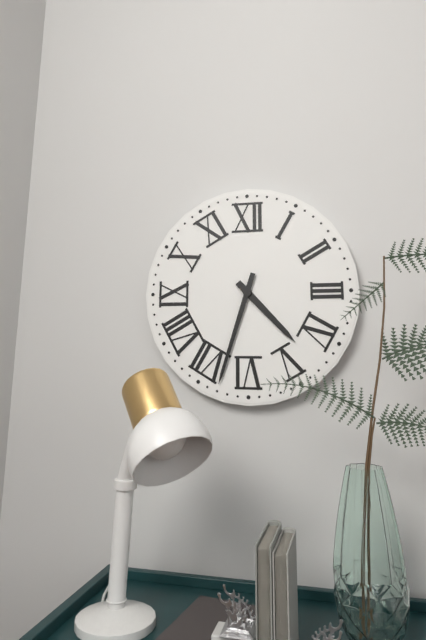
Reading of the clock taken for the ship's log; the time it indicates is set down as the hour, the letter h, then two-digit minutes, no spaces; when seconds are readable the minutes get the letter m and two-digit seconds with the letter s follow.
4h33
